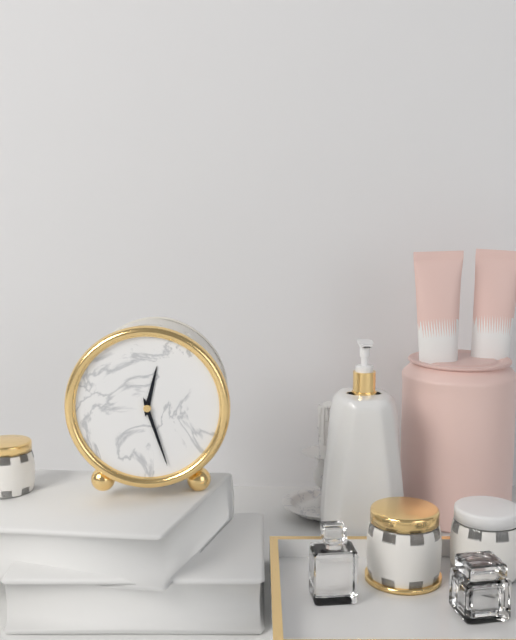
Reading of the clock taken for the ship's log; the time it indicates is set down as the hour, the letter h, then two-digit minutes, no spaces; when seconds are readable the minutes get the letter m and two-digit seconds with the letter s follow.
12h27
